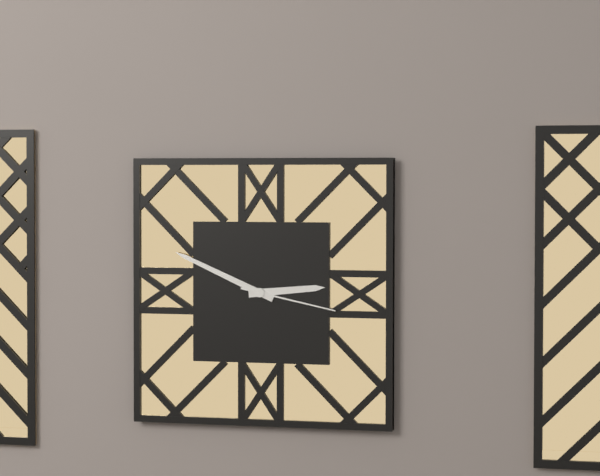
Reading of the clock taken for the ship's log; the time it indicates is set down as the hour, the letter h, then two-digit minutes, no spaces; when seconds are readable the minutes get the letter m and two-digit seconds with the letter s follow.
2h49m17s
